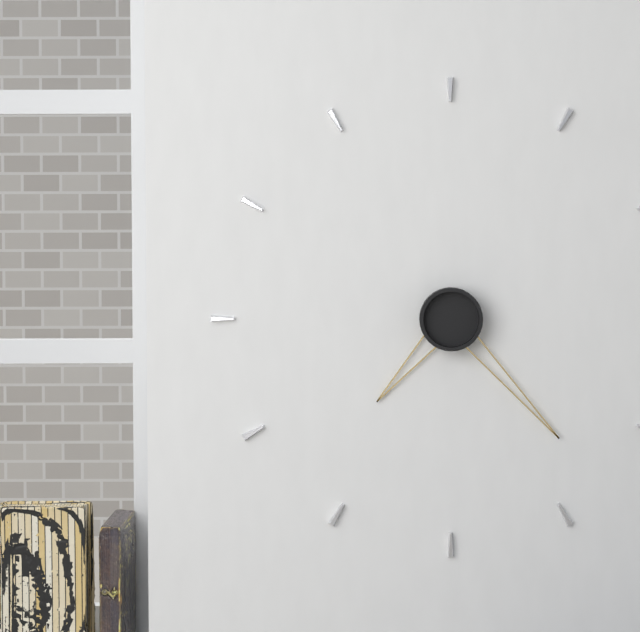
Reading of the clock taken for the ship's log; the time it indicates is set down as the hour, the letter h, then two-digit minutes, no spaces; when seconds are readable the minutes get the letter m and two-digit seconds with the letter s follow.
7h23
